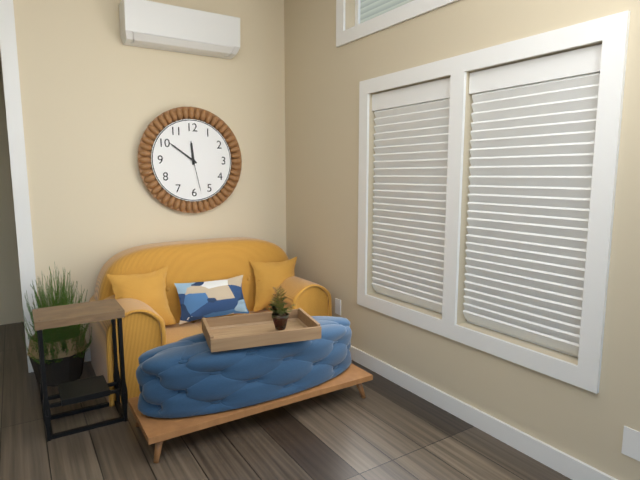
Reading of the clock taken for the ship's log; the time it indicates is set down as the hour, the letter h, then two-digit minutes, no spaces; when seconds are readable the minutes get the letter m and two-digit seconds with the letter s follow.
11h51
